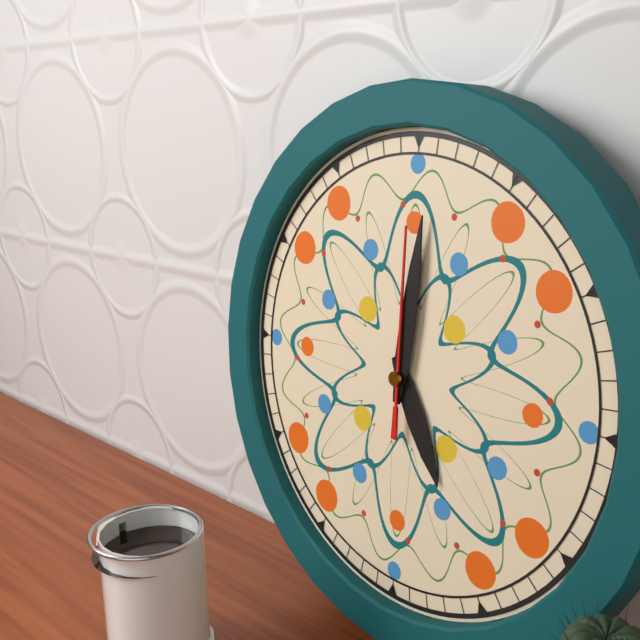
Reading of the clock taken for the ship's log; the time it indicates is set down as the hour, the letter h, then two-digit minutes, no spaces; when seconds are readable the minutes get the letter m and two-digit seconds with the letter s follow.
5h01m00s
